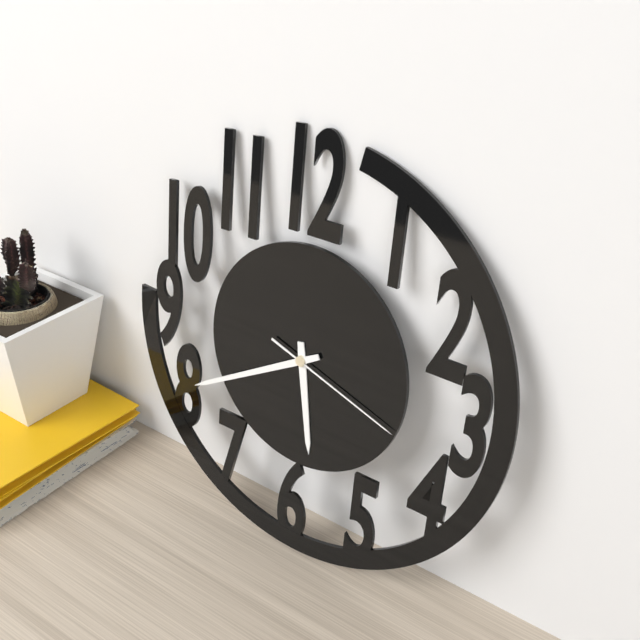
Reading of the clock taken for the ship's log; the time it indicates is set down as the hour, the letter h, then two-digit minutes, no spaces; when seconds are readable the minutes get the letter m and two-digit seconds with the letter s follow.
5h40m18s
